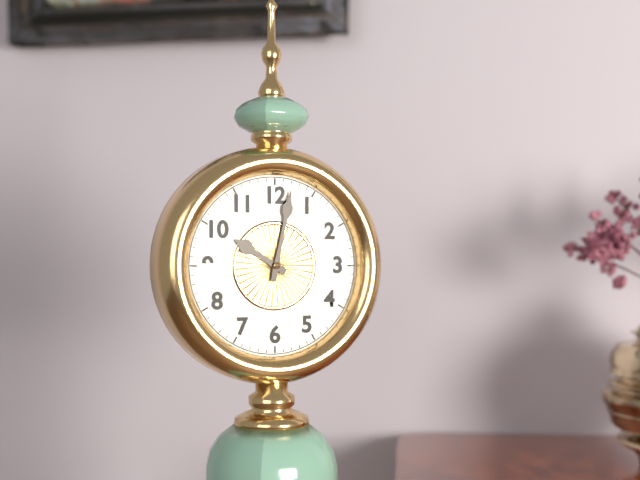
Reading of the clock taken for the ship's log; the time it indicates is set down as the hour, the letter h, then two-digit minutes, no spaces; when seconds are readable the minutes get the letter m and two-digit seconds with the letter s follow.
10h02
